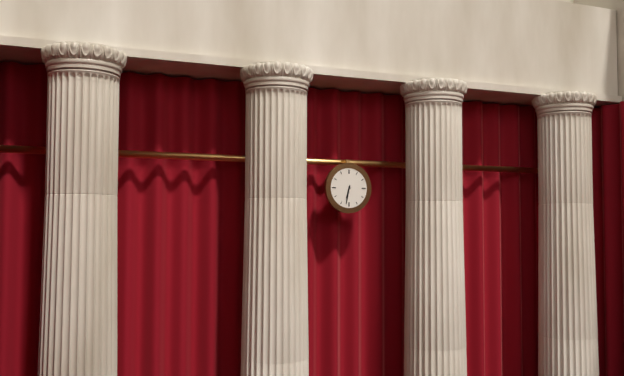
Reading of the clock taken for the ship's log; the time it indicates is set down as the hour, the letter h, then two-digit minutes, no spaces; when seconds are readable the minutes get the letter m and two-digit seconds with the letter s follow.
6h32
